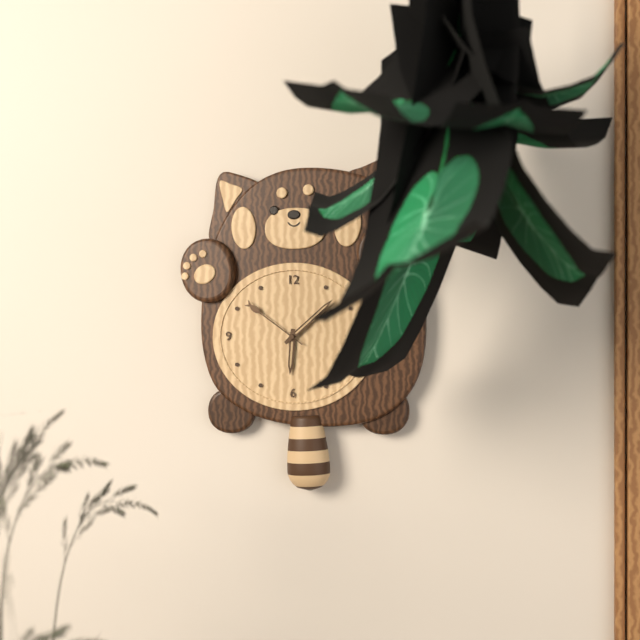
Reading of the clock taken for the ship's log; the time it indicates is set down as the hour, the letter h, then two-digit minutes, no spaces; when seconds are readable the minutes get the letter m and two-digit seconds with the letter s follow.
6h08m51s
